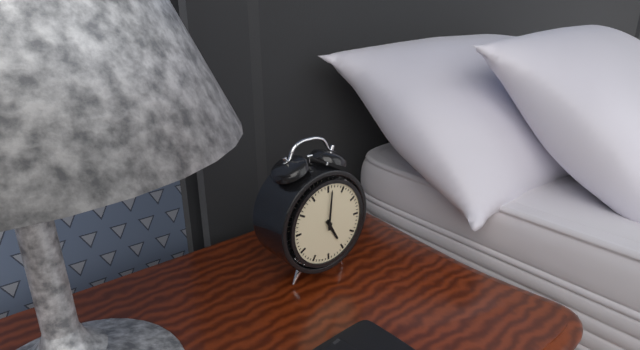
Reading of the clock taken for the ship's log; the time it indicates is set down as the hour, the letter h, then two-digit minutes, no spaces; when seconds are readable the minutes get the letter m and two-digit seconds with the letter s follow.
5h01
